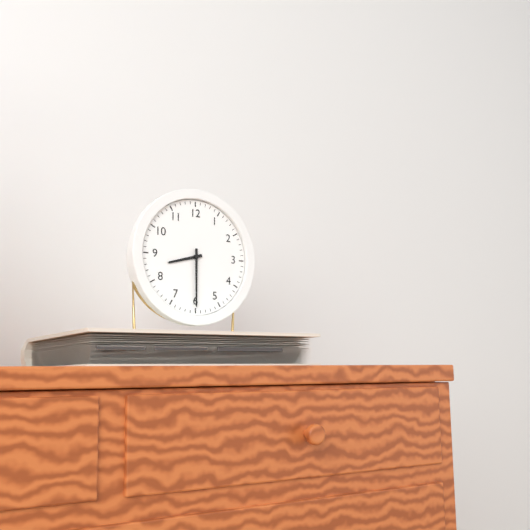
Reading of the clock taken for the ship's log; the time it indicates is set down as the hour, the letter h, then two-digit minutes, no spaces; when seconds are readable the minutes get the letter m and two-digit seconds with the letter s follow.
8h30
